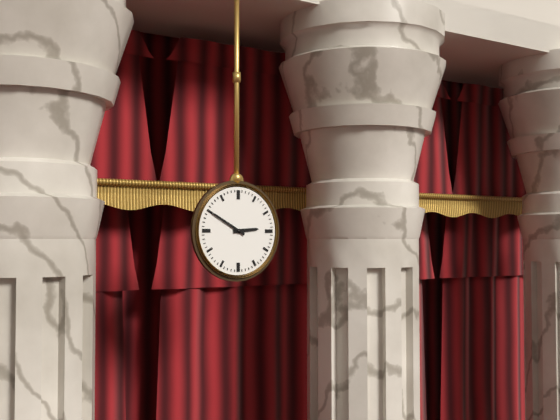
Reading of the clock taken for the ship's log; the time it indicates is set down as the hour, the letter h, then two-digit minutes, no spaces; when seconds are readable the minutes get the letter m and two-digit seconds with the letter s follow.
2h50
